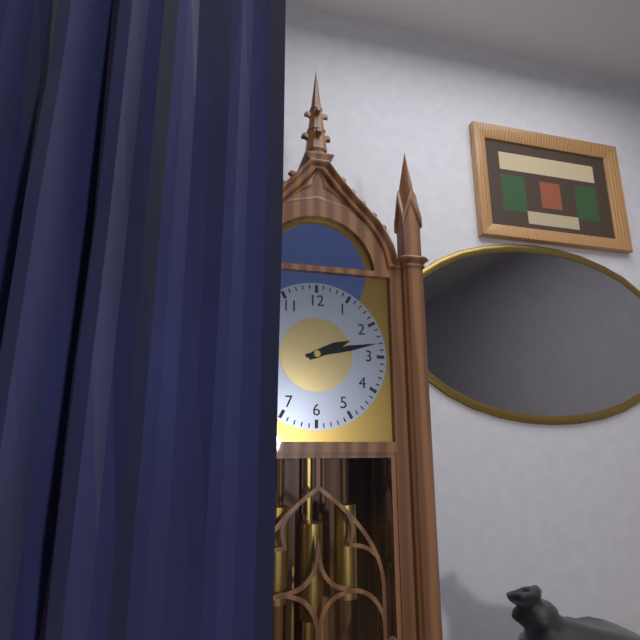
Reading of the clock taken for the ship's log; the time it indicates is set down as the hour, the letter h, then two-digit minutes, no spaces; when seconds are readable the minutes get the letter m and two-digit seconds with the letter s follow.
2h13
